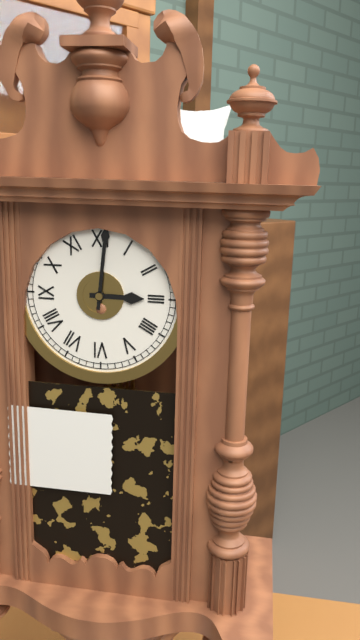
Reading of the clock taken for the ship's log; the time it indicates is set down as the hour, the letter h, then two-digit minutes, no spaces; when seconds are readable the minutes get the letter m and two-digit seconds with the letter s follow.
3h01
